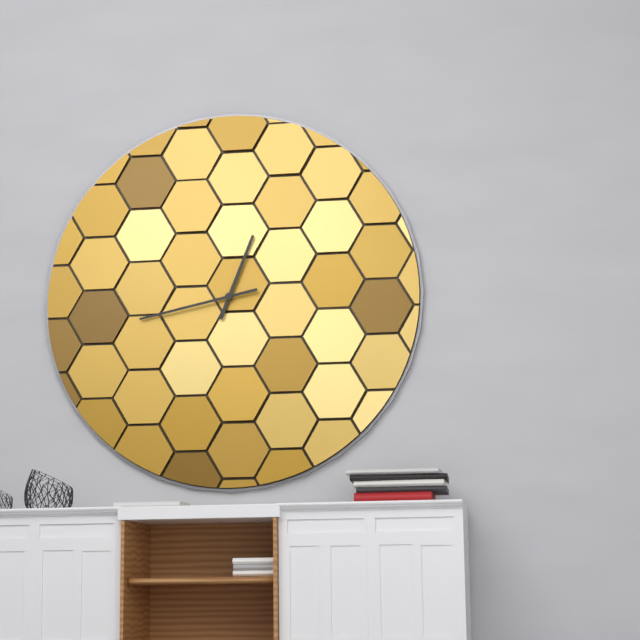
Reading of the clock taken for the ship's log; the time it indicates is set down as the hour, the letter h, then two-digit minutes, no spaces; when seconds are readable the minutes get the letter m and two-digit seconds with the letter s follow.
12h43
